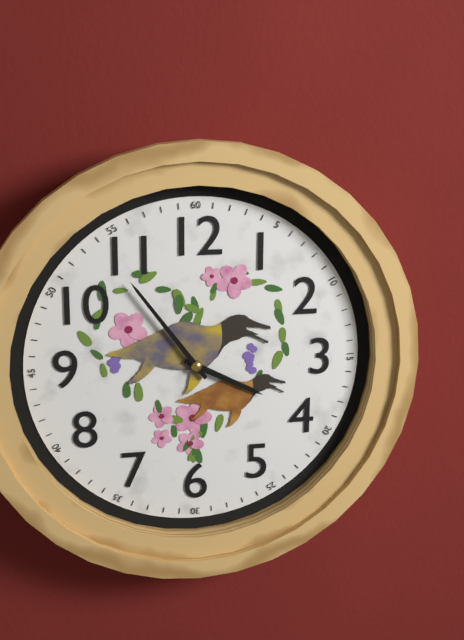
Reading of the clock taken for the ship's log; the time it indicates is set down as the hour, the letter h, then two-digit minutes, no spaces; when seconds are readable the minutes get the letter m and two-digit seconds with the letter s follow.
3h54
